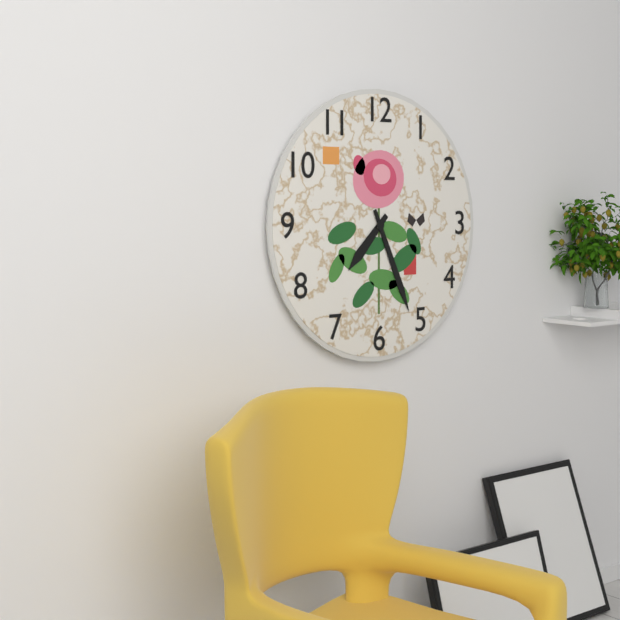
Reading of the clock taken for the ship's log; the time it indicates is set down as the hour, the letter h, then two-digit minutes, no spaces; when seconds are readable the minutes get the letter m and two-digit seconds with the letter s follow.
7h26
